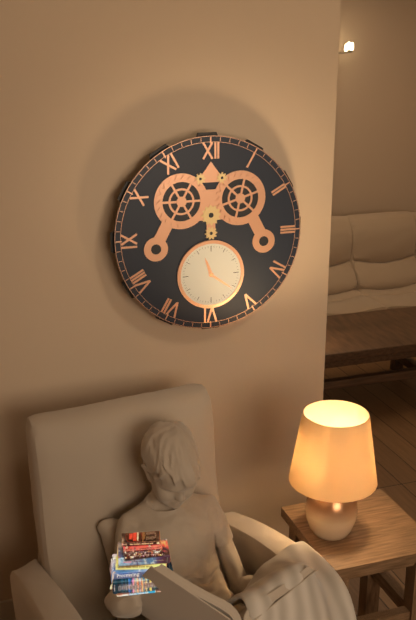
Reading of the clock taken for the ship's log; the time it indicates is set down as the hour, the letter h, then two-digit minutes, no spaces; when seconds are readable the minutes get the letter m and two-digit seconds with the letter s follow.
11h21
